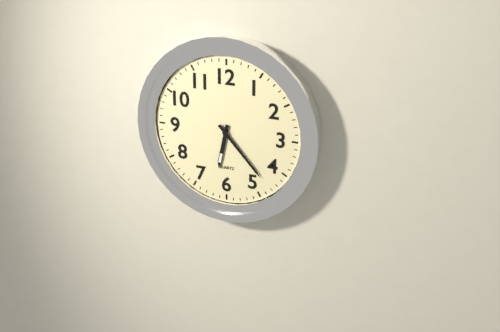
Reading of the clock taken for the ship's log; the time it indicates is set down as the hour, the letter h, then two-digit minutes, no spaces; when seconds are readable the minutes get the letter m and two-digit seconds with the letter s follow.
6h23
